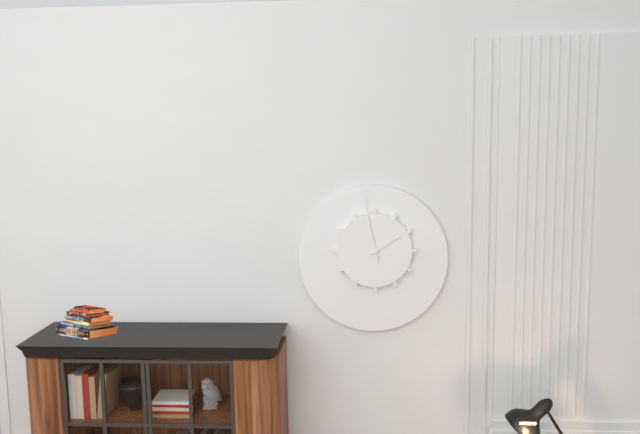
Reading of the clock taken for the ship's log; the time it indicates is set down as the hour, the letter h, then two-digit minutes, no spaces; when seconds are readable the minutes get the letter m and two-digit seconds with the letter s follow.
1h58
